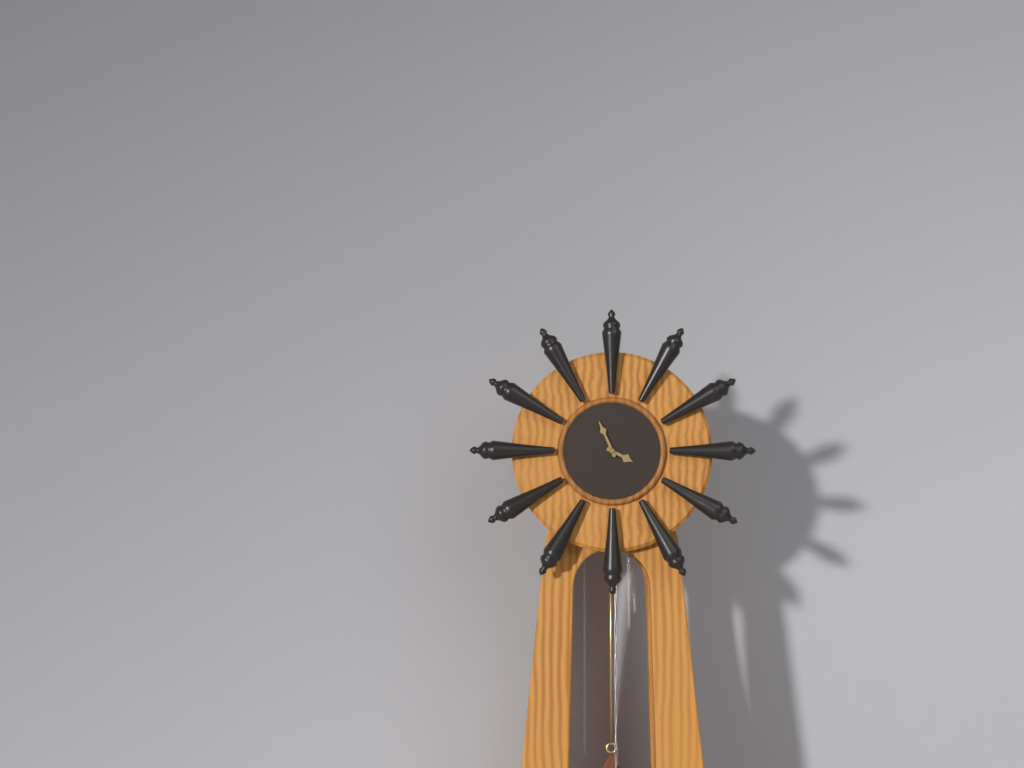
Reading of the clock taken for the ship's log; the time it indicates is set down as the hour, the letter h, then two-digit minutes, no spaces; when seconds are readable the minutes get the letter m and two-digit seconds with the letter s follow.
3h56
